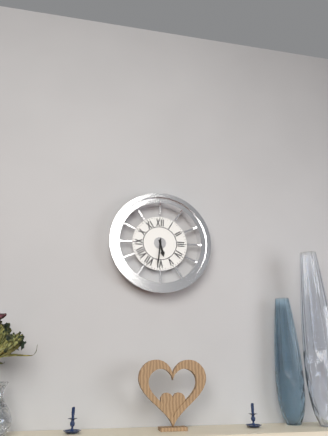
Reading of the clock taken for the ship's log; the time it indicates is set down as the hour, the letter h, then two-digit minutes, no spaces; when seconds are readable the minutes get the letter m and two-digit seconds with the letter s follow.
5h31
